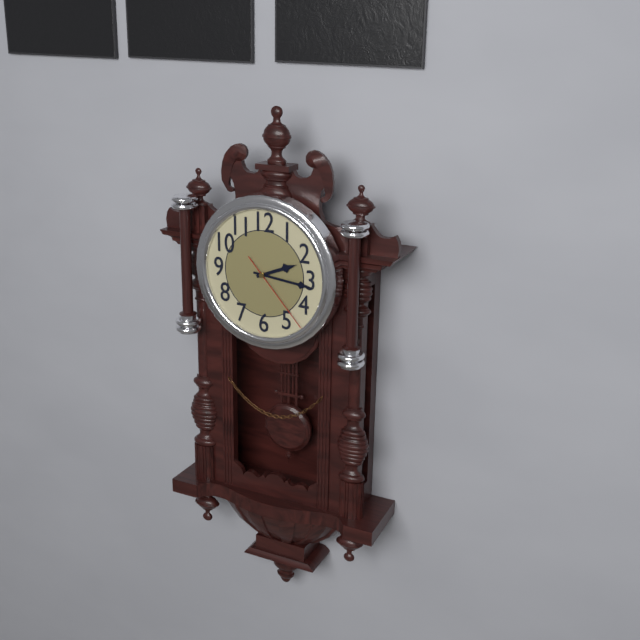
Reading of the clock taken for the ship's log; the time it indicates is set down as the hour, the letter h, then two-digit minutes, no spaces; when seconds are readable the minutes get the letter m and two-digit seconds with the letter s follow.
2h16m23s
